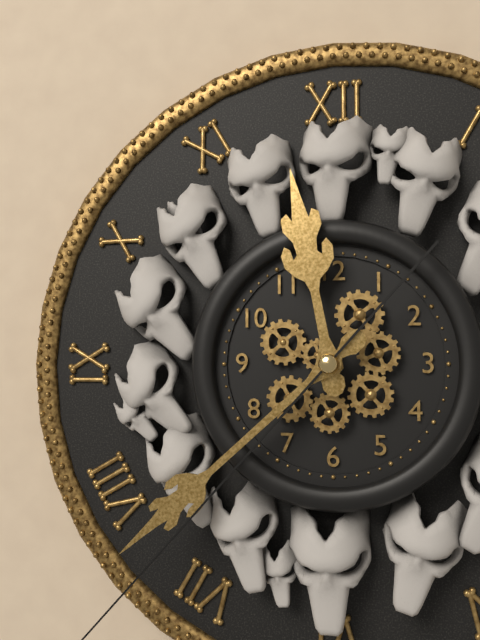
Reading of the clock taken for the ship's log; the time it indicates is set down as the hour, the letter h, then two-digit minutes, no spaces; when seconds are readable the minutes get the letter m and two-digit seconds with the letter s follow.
11h38
